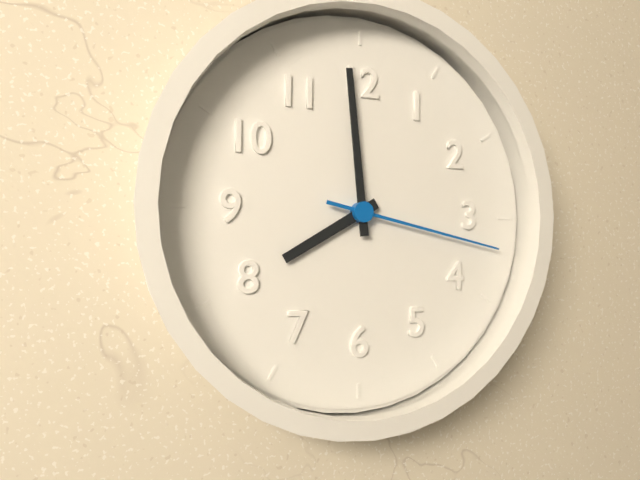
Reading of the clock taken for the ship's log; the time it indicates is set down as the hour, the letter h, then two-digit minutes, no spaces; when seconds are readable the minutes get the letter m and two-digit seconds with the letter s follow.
7h59m17s
